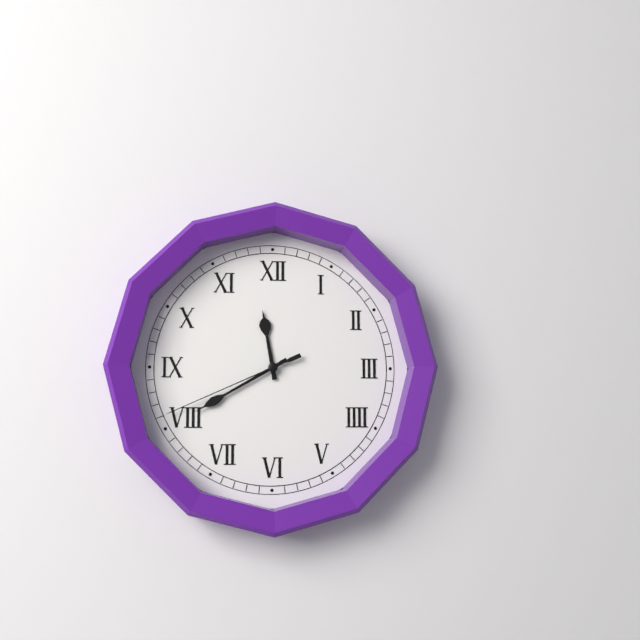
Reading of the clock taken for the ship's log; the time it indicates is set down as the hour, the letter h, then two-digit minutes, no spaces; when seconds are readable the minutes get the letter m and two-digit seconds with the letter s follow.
11h40m41s
